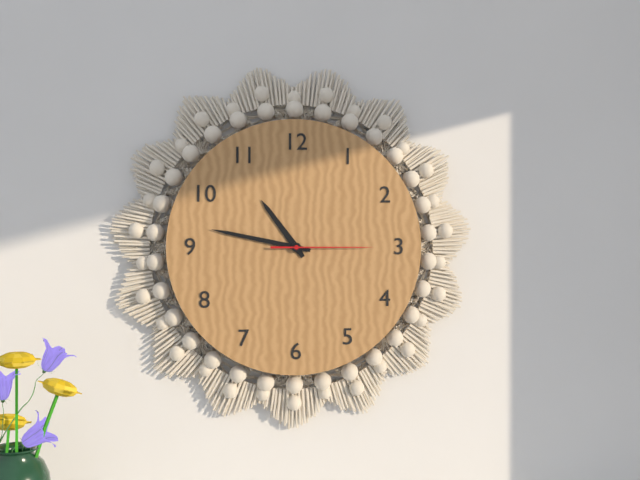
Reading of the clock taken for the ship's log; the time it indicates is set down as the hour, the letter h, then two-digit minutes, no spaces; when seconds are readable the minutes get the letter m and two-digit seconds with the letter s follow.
10h47m15s
